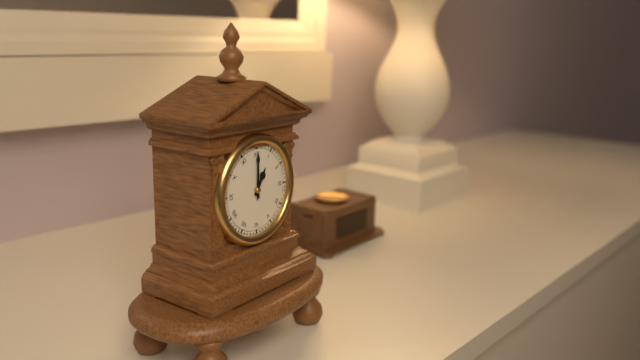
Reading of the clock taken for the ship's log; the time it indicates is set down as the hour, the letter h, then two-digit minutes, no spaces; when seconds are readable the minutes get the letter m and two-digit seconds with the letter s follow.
1h00
